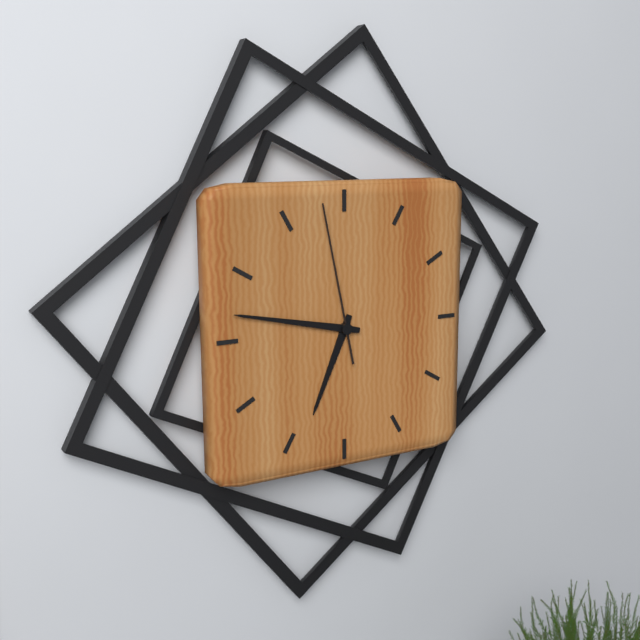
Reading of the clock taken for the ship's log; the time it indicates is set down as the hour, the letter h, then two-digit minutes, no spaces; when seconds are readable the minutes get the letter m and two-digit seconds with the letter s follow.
6h47m58s
